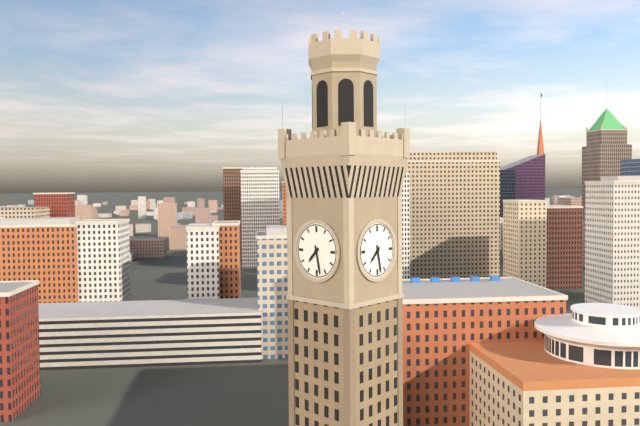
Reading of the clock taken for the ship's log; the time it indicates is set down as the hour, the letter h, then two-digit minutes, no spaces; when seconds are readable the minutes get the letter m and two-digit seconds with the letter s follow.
7h28
